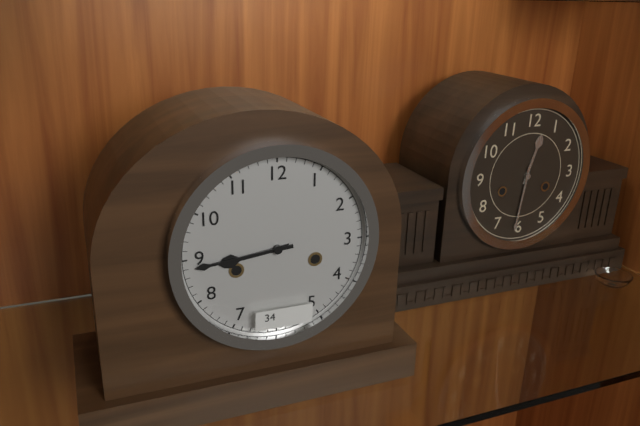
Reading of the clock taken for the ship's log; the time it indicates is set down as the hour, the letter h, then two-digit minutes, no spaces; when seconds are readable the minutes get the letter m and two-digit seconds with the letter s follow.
8h44
